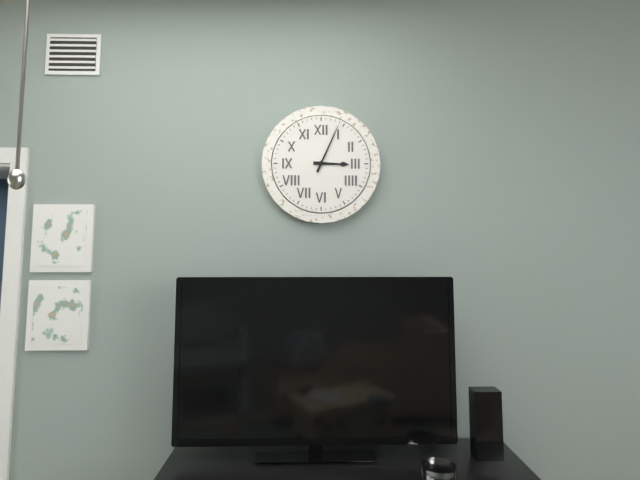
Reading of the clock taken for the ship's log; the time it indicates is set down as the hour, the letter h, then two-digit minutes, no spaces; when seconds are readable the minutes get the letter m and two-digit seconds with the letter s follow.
3h04
